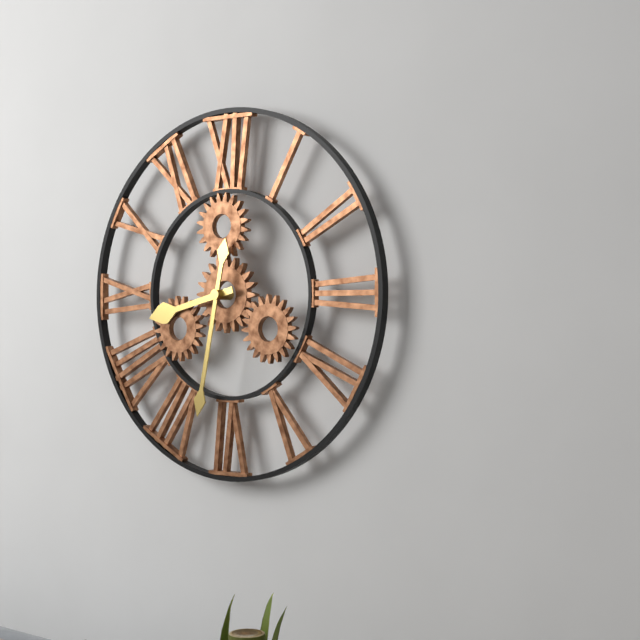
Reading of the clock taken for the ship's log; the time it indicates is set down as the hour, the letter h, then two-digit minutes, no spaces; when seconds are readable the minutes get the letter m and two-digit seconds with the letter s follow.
8h32
